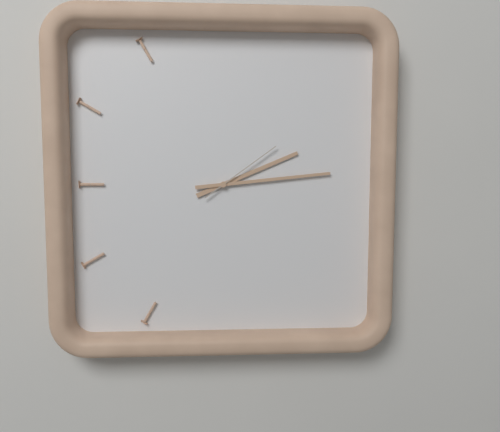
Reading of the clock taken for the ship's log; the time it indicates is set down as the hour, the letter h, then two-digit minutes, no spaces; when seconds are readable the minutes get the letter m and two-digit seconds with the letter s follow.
2h14m09s
